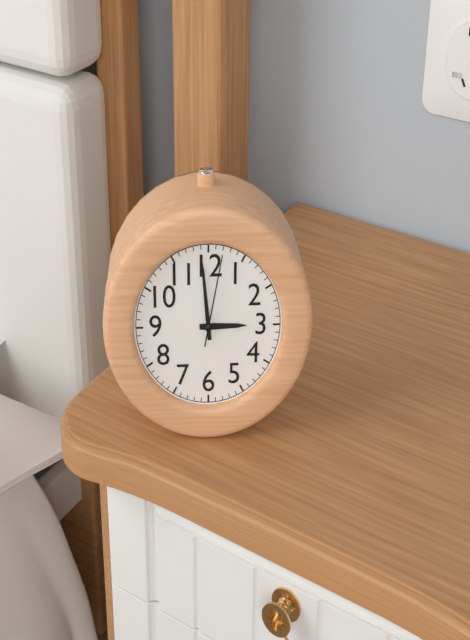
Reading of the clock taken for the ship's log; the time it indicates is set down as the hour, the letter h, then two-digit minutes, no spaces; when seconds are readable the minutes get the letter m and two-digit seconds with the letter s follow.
2h59m02s
